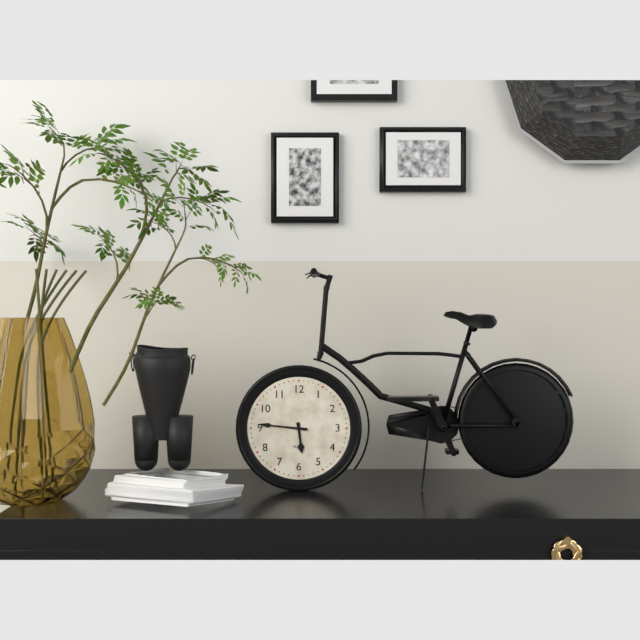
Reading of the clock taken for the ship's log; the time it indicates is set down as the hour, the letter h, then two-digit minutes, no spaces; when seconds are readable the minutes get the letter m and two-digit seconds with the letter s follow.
5h46
